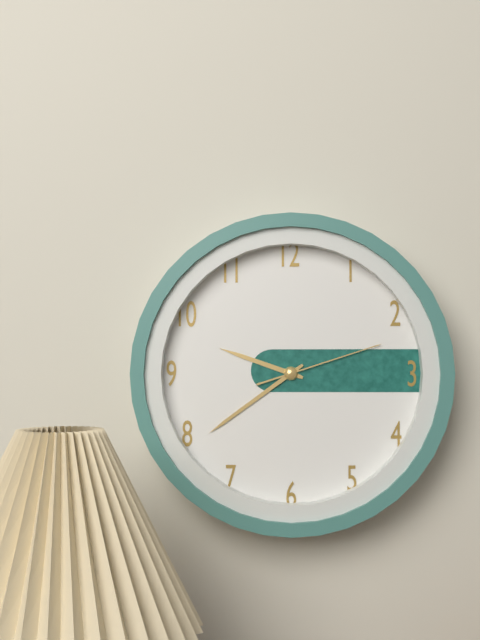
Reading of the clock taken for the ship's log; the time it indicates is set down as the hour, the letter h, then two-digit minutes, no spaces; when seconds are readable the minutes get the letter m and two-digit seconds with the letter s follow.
9h39m12s
